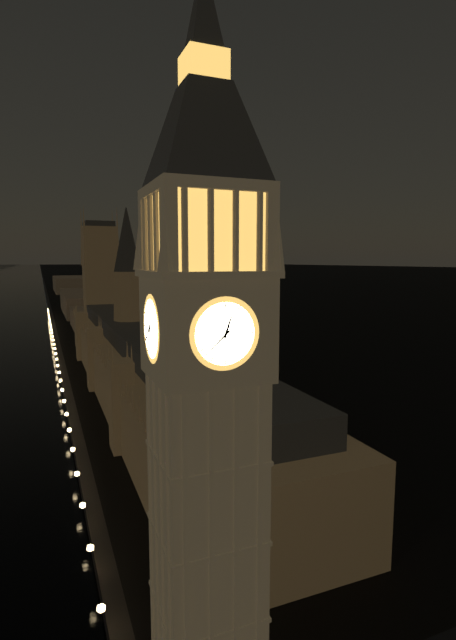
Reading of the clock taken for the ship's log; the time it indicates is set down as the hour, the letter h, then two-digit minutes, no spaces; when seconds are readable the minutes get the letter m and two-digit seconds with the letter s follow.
12h38
